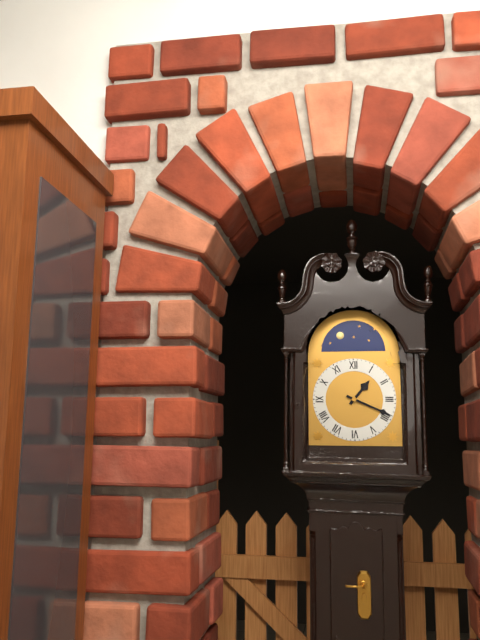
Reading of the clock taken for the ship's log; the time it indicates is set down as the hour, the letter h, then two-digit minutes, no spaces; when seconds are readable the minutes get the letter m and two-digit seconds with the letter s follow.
1h19
